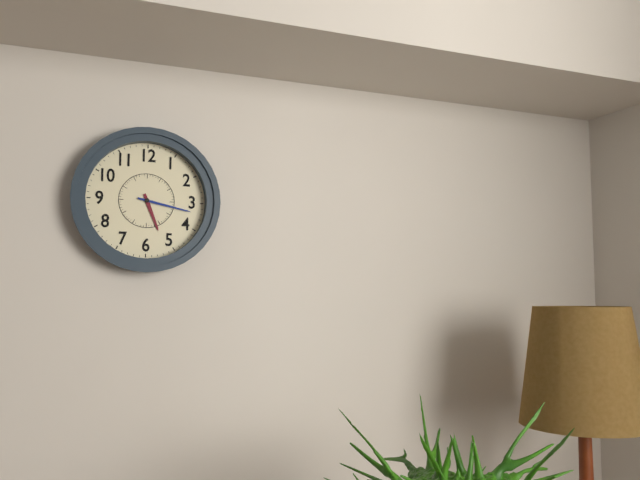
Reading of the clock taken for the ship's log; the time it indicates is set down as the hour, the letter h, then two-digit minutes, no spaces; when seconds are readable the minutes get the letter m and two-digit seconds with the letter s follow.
5h17
